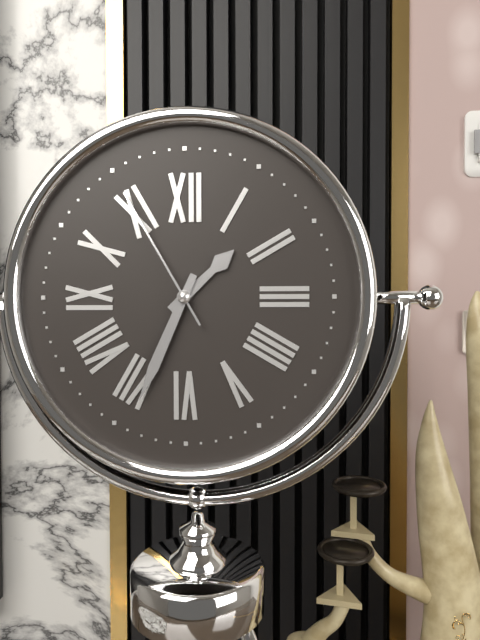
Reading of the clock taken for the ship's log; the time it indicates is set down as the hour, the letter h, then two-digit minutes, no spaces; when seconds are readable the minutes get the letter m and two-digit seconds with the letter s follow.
1h34m55s
